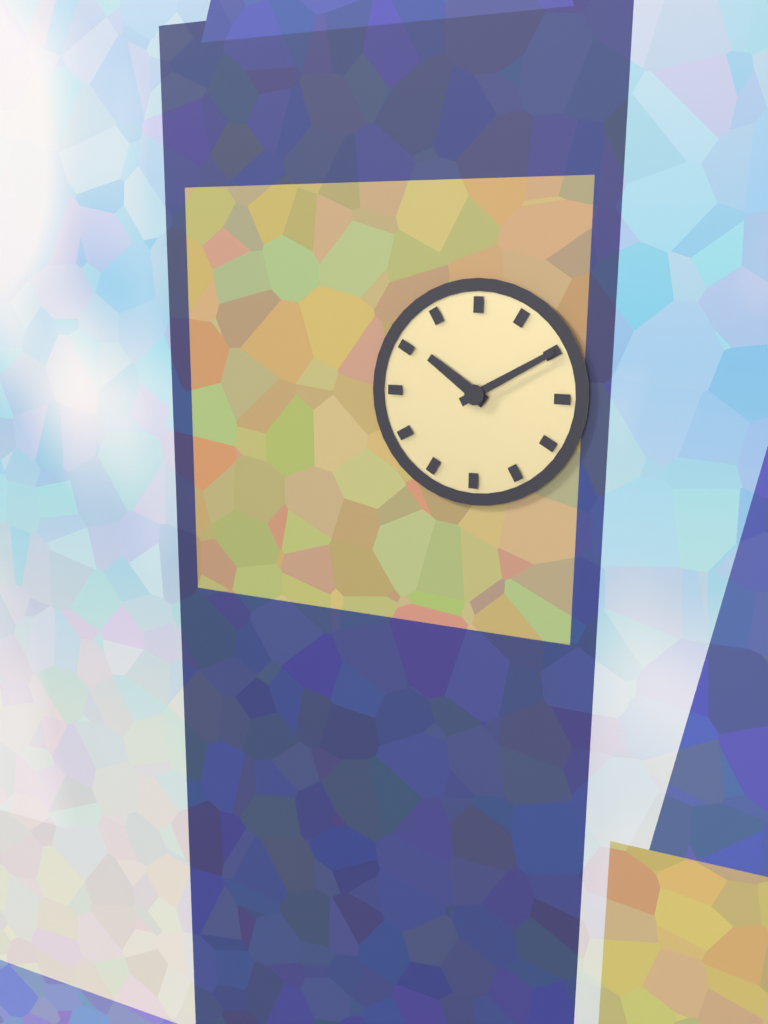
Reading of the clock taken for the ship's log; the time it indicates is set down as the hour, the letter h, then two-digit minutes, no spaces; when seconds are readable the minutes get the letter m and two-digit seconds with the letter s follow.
10h10
